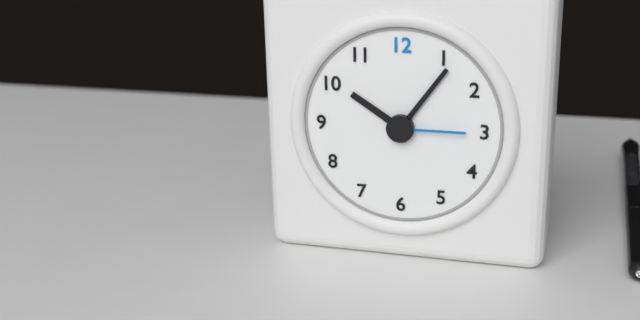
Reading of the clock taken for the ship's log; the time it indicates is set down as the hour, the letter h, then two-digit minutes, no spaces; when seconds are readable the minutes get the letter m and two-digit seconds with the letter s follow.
10h06m15s
